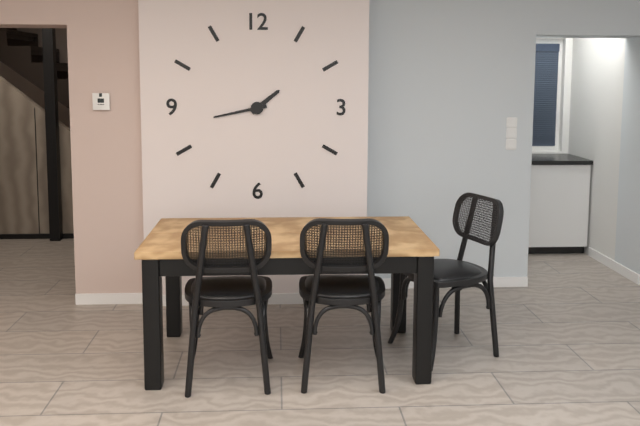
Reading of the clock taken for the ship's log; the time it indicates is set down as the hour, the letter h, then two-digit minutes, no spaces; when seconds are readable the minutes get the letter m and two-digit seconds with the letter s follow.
1h43
